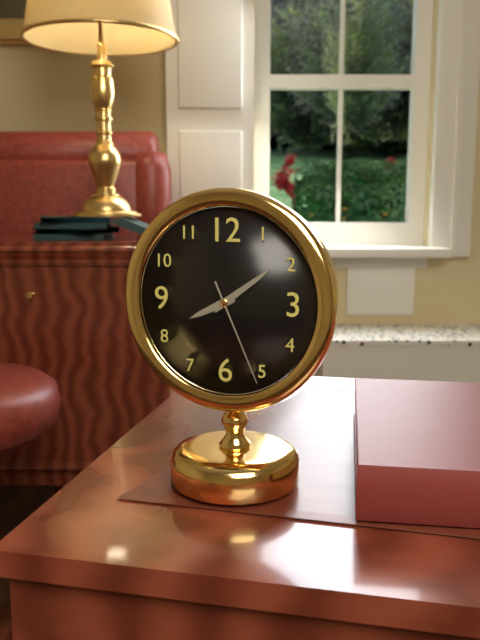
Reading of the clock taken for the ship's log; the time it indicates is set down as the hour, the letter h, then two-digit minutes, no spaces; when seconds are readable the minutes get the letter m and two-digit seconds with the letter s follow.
8h09m26s
